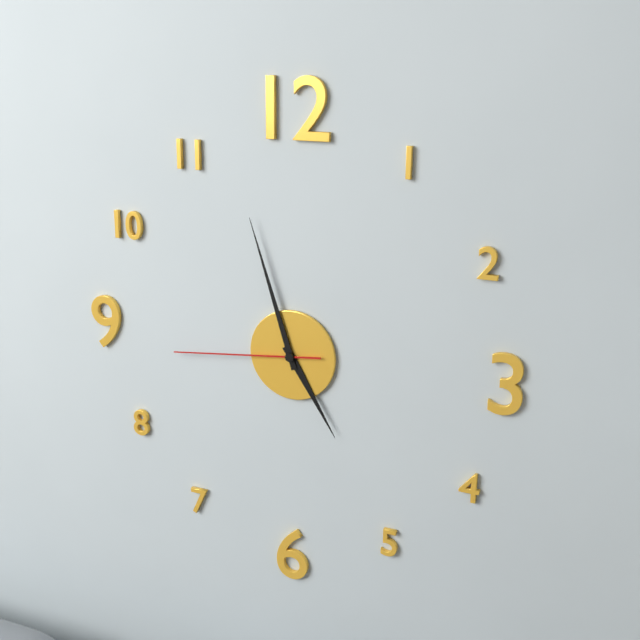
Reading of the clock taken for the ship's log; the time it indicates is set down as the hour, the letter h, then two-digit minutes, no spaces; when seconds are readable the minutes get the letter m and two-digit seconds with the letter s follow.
4h57m44s
